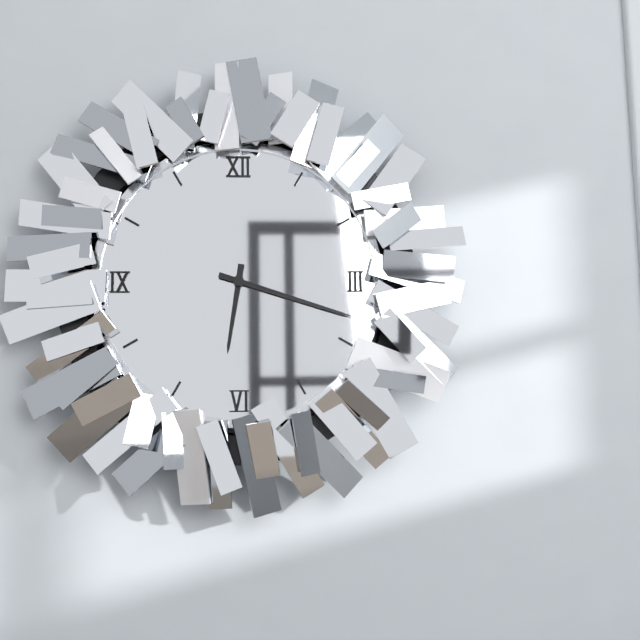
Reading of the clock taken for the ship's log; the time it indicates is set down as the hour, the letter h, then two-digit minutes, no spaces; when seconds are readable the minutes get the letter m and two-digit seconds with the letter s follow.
6h18
